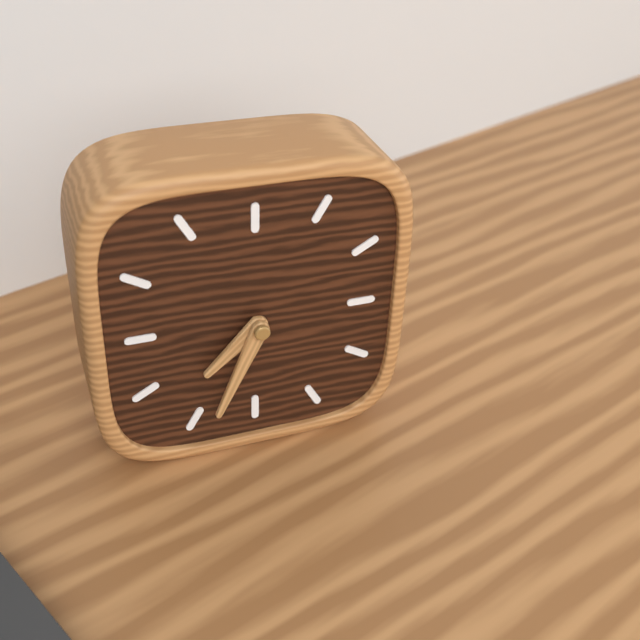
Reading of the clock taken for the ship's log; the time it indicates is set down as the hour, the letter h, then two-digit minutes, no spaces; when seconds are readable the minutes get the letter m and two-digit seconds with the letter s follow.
7h34
